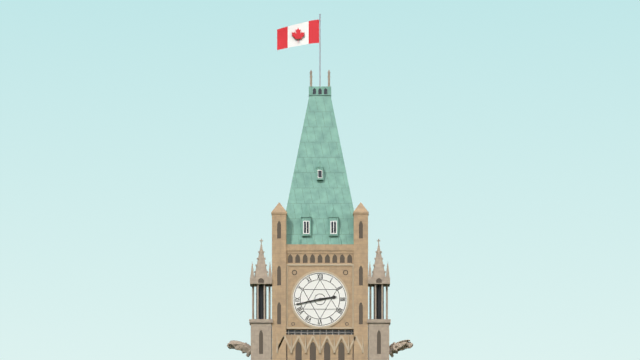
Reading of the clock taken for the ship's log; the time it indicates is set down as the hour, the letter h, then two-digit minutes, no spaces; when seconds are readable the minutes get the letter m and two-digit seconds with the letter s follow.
2h43
